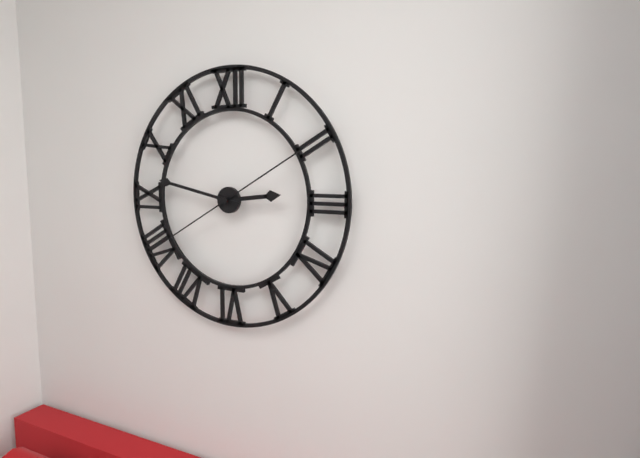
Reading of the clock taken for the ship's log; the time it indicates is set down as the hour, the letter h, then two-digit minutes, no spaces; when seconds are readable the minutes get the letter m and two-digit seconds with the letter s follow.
2h47m40s
